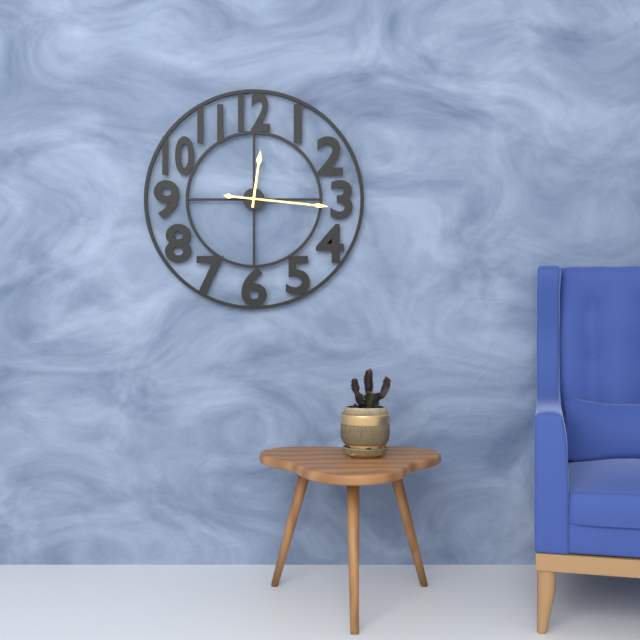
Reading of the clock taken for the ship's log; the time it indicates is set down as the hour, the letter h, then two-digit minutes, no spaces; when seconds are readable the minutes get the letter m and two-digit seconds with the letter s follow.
12h16
